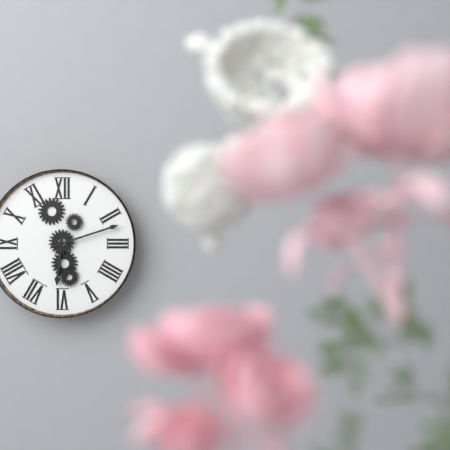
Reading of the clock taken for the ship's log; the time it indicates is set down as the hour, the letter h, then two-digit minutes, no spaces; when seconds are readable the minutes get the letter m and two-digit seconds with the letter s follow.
6h12
